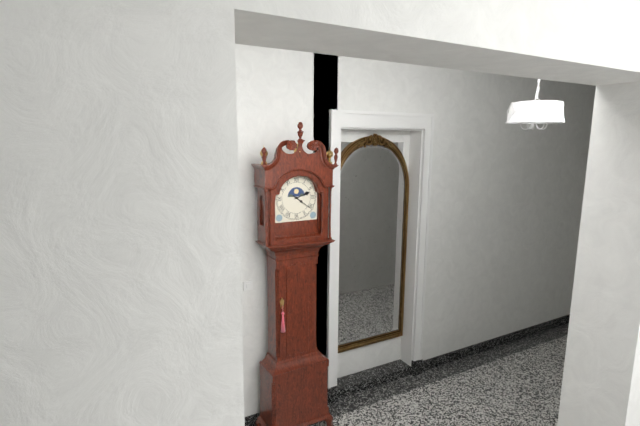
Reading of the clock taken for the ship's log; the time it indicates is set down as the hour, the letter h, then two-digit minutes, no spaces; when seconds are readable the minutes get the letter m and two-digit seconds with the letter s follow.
2h21
